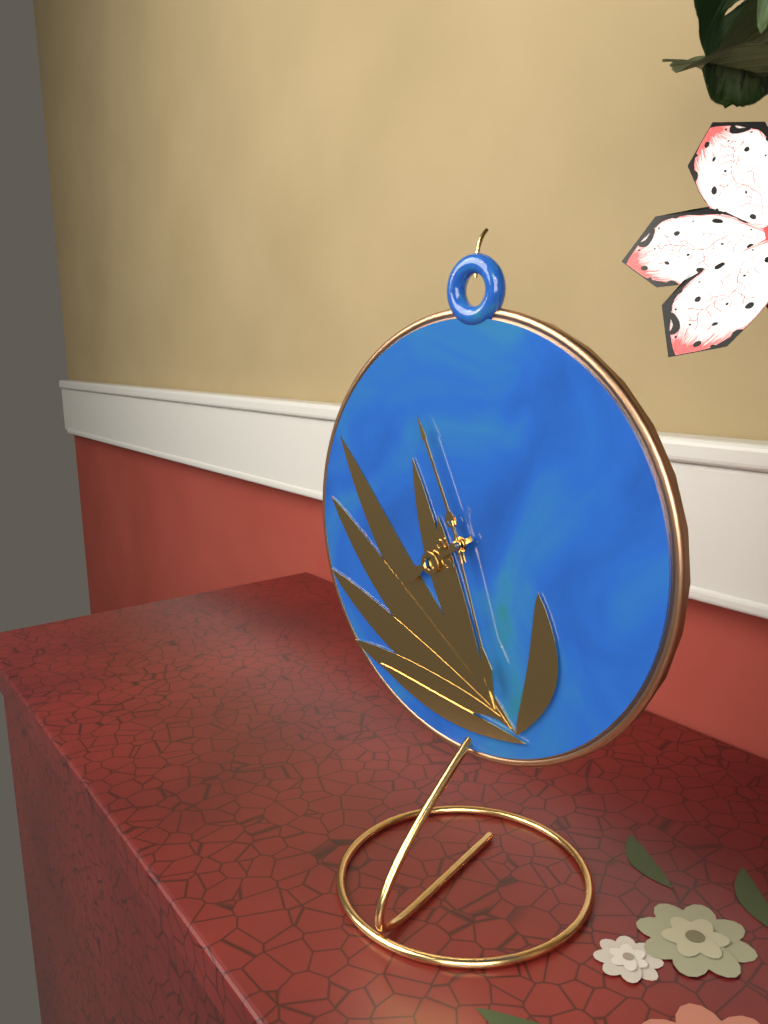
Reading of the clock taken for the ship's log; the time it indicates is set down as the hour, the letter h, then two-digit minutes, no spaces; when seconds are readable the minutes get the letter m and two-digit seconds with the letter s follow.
7h56m27s
